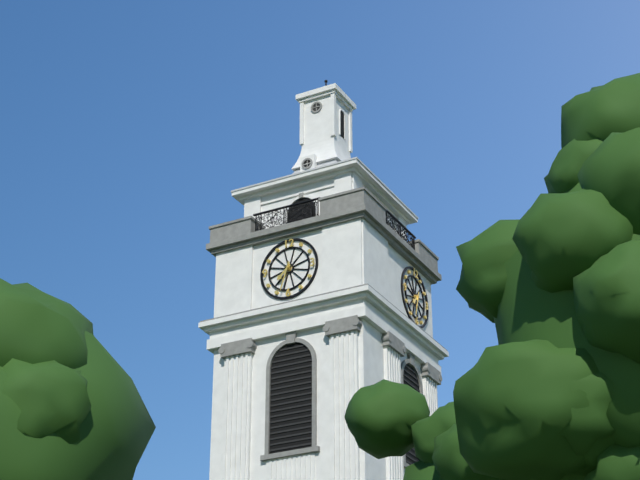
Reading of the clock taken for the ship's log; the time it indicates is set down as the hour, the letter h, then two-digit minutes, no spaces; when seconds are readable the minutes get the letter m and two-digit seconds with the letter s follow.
7h33
